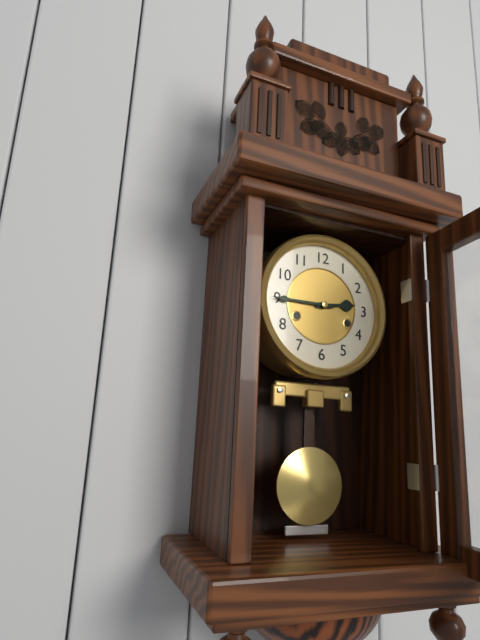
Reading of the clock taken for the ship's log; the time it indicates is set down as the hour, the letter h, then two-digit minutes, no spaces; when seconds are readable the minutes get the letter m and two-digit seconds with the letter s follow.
2h45
